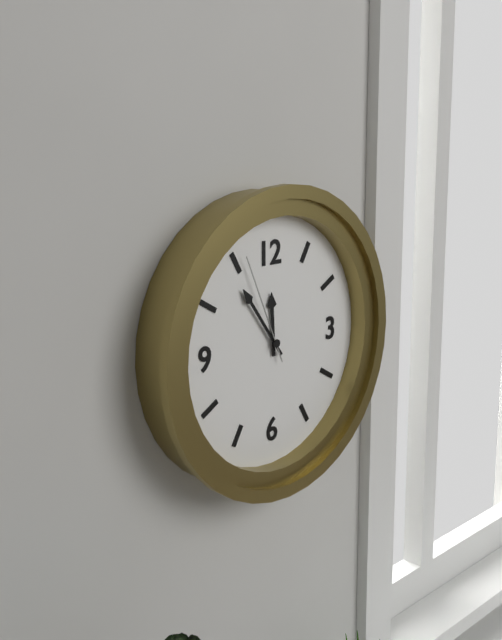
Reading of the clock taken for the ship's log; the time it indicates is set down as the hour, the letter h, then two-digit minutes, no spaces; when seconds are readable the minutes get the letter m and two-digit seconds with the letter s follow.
11h54m56s
